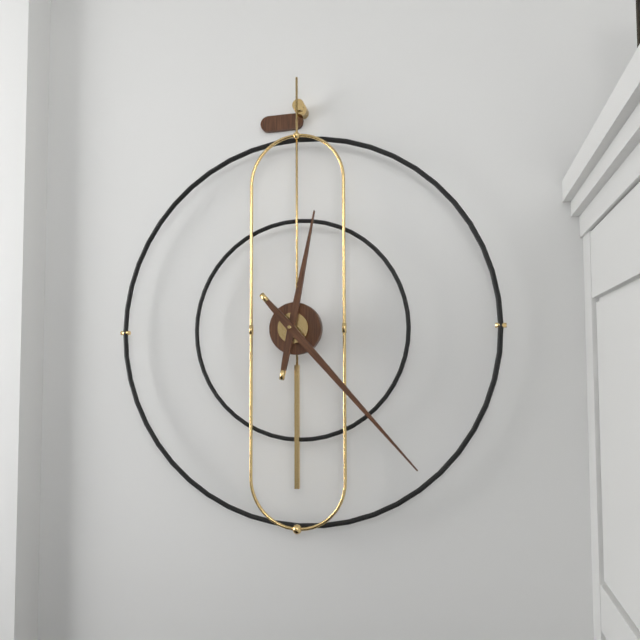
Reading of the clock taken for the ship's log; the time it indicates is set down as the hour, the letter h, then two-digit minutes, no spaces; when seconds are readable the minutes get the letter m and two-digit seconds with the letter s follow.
12h23
